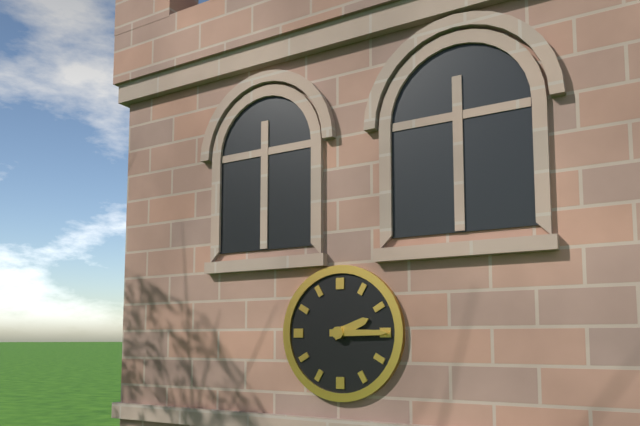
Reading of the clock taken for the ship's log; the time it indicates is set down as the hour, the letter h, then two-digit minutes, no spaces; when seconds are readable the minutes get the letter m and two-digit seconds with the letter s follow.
2h15
